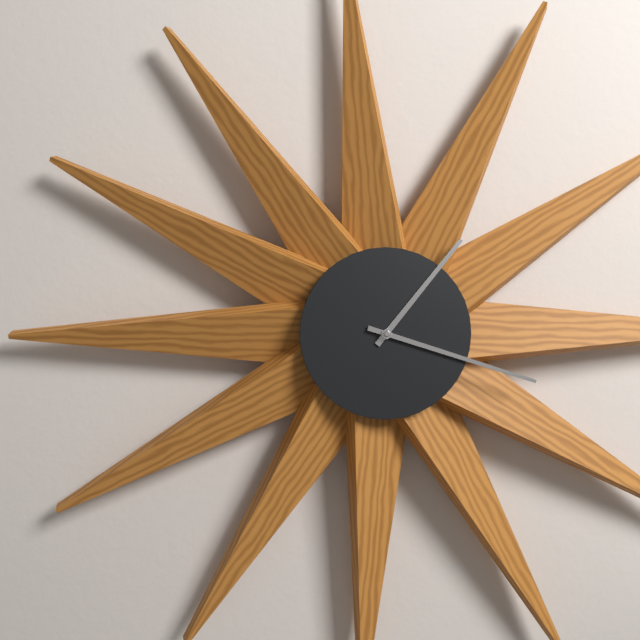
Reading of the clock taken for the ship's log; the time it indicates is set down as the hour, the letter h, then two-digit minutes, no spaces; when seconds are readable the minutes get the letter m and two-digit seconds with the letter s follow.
1h18
